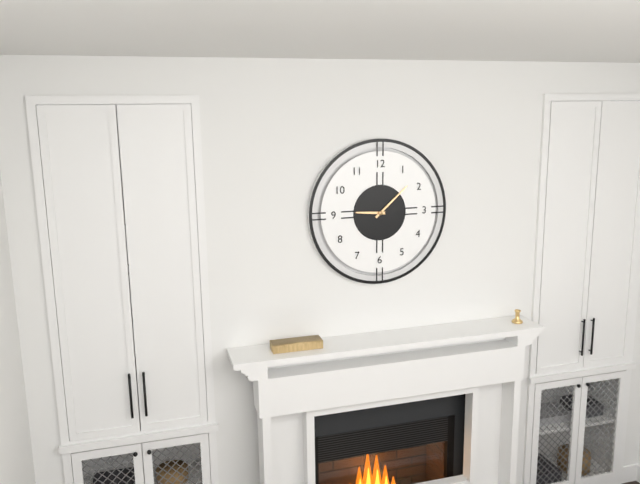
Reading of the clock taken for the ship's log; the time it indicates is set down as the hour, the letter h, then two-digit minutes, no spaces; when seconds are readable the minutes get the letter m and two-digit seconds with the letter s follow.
9h08
